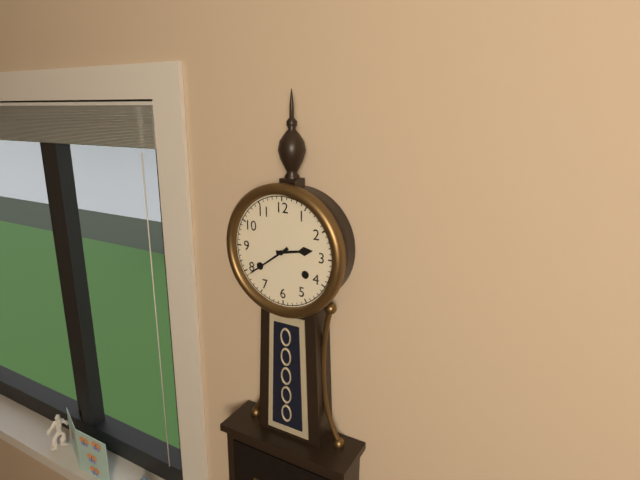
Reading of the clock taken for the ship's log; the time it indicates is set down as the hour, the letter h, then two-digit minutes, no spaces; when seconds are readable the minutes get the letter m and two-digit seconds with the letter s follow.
2h39
